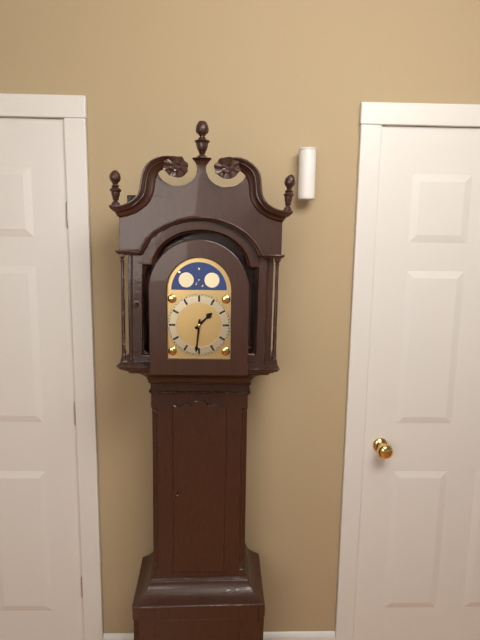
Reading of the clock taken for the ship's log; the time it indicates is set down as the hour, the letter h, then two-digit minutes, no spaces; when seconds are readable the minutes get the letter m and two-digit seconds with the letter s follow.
1h31
